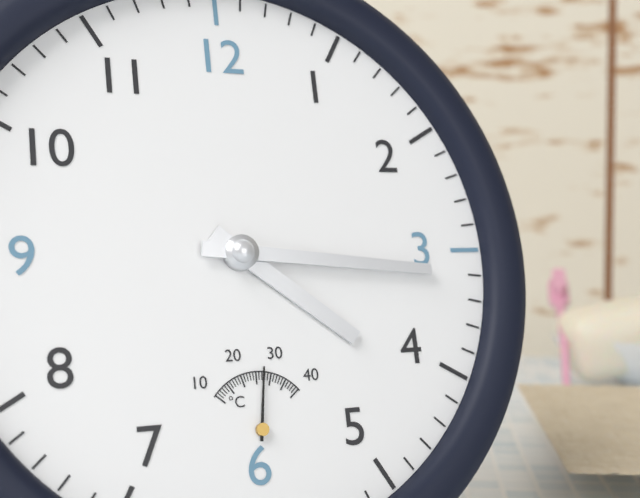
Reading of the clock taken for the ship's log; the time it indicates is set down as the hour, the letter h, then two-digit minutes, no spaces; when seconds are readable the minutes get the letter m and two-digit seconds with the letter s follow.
4h16
